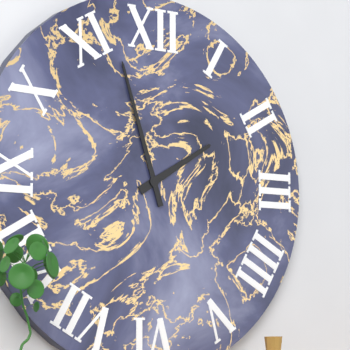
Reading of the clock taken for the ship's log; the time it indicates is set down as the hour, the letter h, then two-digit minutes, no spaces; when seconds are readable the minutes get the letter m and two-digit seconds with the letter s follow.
1h57
